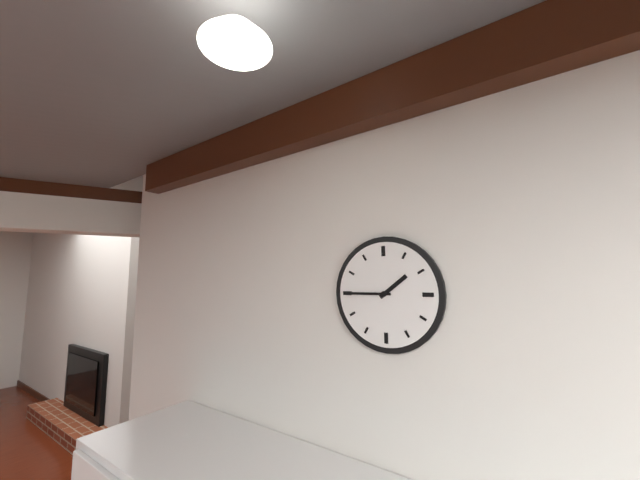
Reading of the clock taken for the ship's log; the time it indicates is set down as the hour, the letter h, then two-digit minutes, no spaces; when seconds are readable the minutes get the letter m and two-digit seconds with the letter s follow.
1h45
